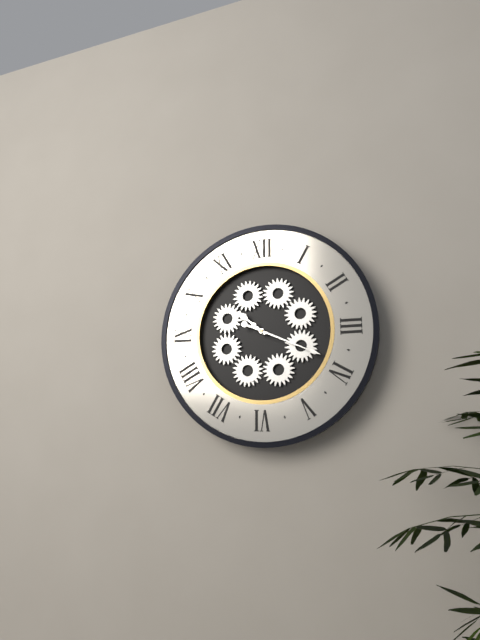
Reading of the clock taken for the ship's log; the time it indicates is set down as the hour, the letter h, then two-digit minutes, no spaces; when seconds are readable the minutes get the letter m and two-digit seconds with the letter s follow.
10h19
